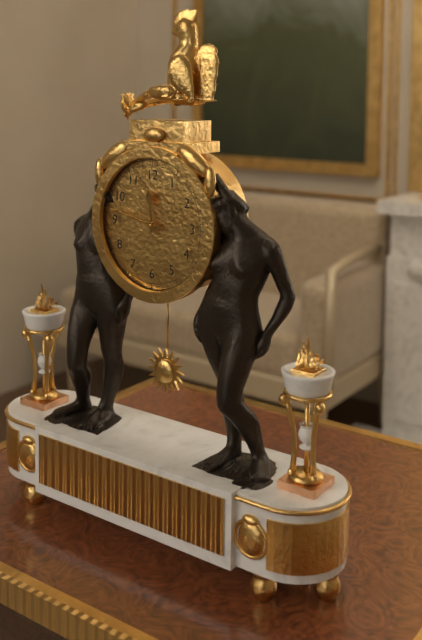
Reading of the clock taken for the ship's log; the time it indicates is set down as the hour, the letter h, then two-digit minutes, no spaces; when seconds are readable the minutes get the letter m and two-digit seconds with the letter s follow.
11h47
